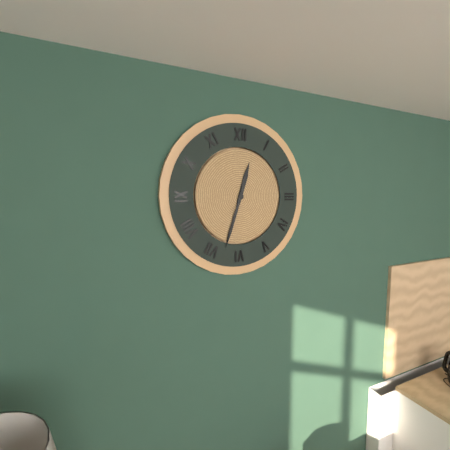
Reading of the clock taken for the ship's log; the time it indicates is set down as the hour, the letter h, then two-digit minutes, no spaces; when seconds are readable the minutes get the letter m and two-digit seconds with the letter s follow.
12h33
